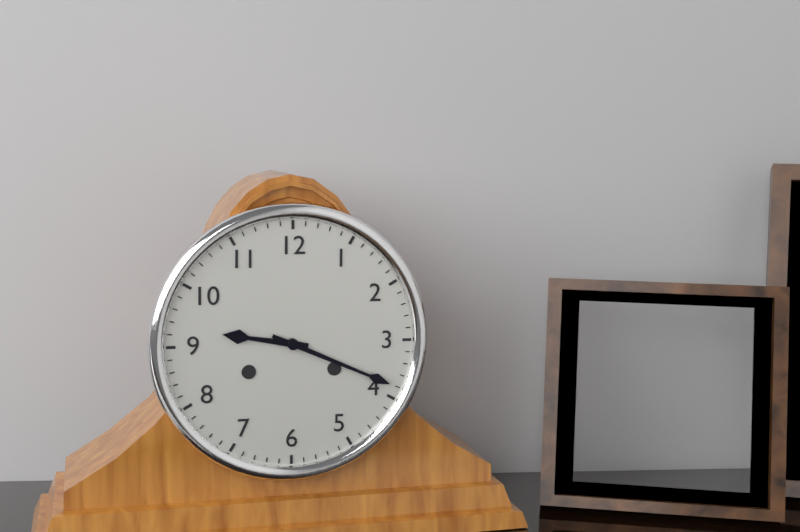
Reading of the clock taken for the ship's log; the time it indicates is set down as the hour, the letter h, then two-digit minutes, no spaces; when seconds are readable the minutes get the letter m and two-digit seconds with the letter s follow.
9h19
